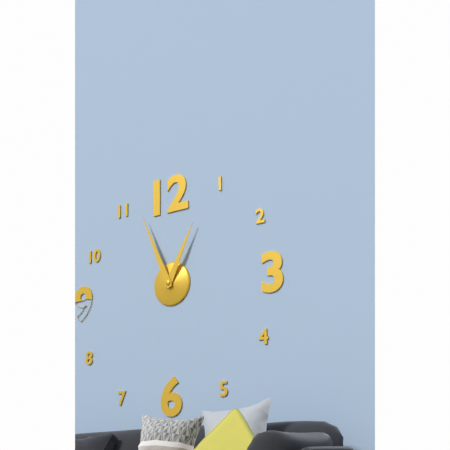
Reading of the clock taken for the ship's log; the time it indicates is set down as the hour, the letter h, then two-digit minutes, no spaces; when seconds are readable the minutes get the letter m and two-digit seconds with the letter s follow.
12h56
